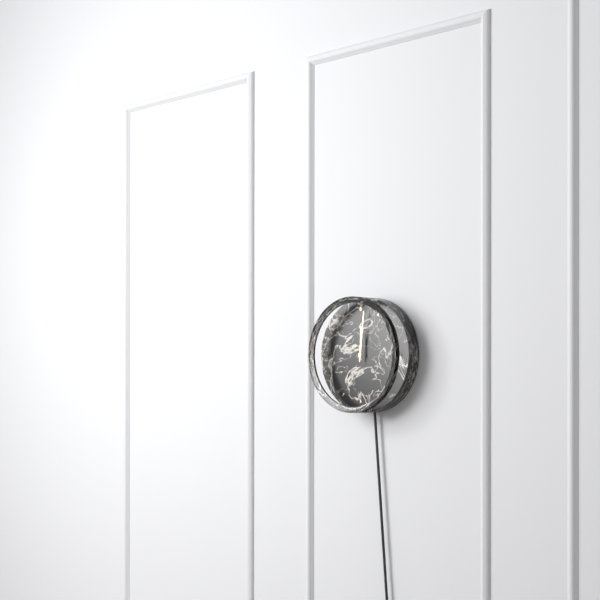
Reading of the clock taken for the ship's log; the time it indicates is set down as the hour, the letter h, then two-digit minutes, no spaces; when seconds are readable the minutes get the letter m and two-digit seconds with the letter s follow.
12h01
